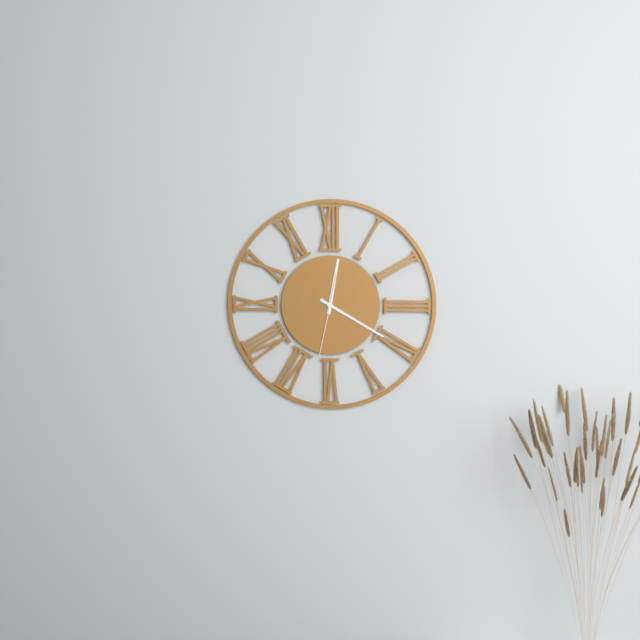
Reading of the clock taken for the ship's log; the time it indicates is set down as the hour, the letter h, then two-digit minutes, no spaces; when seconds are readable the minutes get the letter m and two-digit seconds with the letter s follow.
12h20m32s
